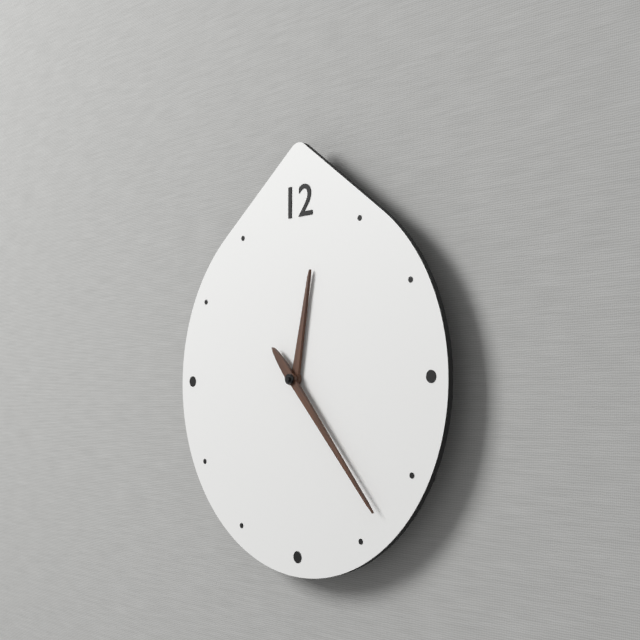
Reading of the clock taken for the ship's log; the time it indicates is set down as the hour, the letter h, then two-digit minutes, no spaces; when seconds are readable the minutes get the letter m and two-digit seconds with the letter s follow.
12h23
